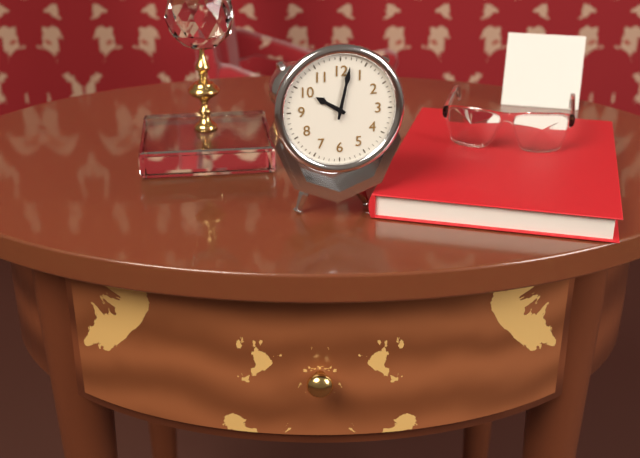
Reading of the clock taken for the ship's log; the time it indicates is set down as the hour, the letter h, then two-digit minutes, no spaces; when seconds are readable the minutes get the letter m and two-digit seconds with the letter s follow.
10h02
